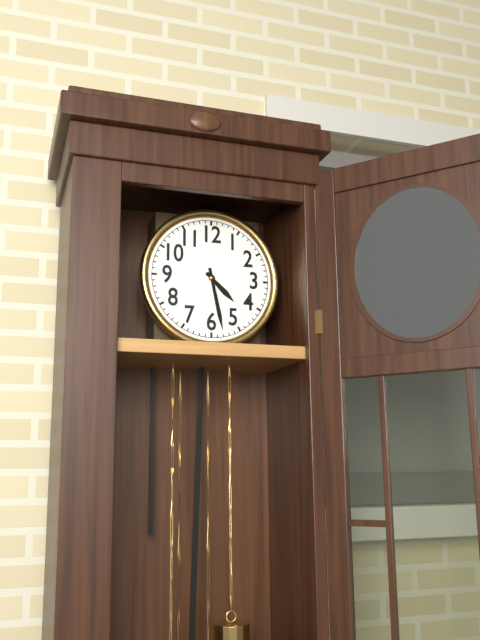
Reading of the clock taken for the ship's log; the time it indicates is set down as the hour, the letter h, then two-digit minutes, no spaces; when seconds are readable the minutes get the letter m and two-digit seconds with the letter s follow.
4h28
